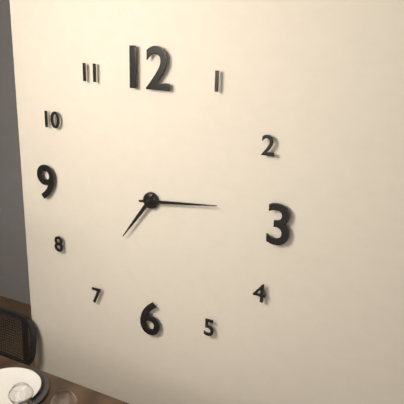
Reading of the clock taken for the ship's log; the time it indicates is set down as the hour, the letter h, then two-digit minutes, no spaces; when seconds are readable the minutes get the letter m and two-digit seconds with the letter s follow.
7h14
